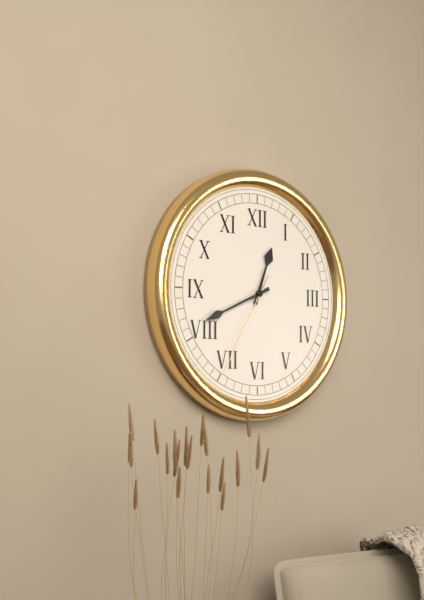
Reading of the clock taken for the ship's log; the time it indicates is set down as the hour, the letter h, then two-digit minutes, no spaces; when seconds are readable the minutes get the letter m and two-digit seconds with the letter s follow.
12h41m35s
